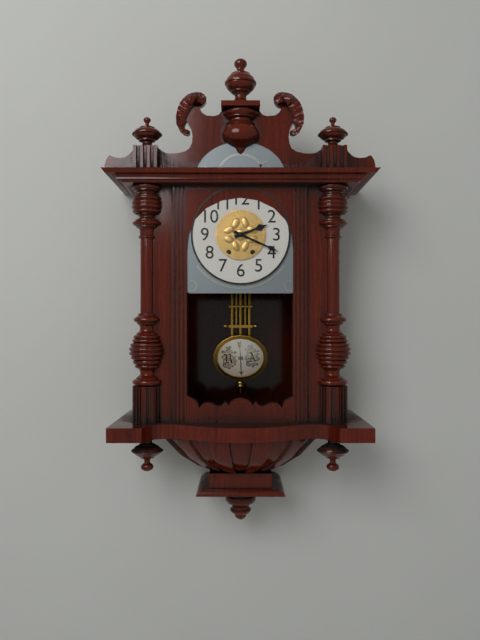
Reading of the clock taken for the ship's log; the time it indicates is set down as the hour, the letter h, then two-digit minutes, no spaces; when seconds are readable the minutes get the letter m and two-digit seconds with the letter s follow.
2h19
